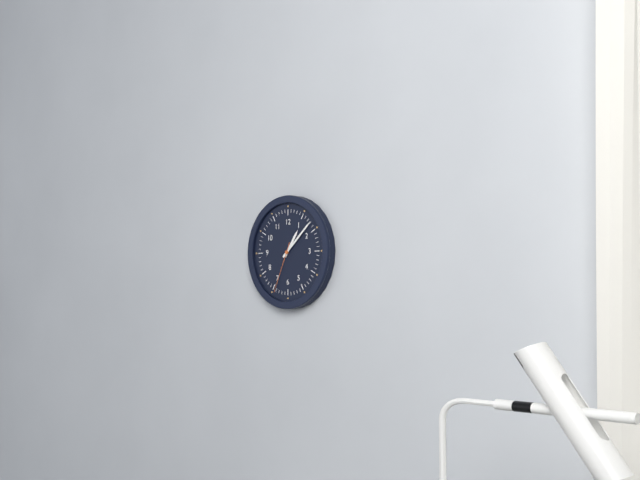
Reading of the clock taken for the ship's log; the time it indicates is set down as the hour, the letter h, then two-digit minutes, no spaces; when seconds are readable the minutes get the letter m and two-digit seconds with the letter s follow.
1h08m34s
